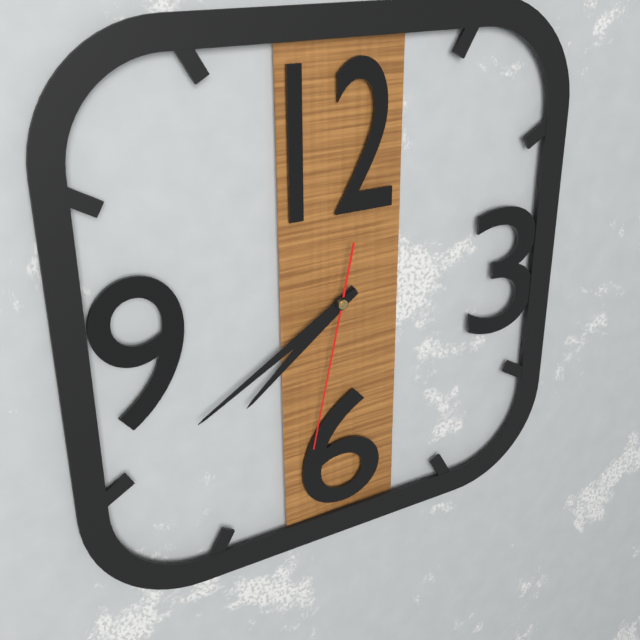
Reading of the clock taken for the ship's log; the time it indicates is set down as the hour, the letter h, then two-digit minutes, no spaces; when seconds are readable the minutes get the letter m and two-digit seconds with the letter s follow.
7h40m32s
